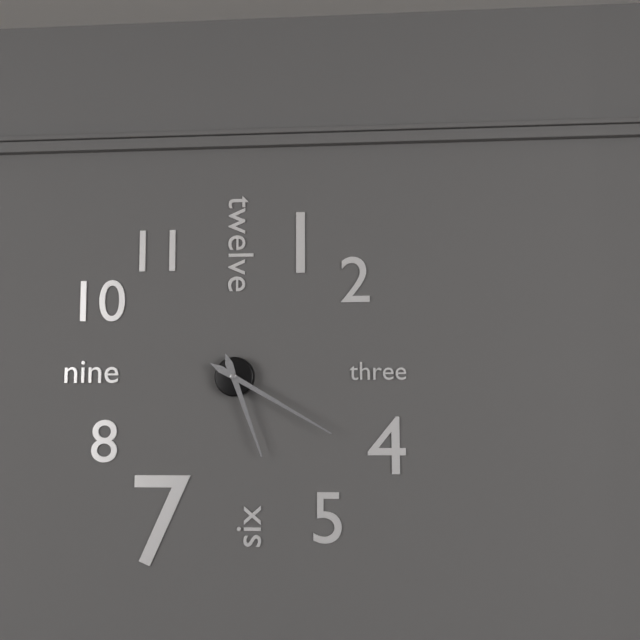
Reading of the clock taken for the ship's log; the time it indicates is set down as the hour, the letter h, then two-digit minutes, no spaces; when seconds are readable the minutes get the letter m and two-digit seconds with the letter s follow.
5h20
